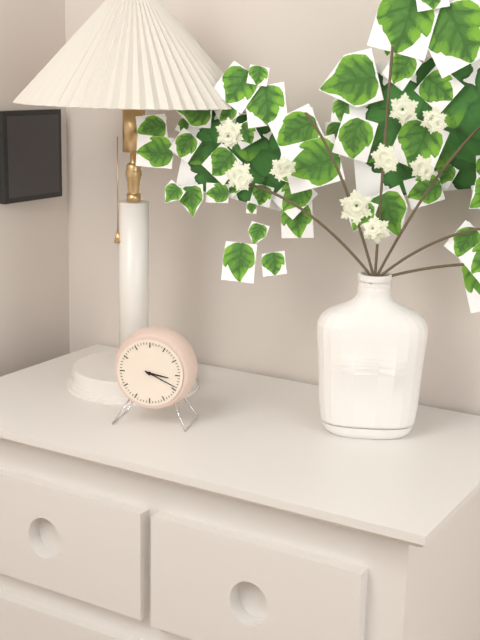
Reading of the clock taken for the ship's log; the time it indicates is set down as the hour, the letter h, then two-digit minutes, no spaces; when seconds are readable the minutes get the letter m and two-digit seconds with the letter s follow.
3h19
